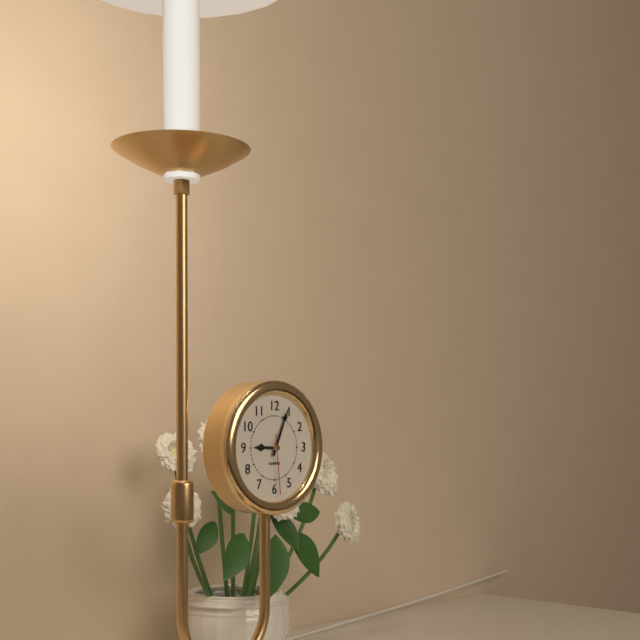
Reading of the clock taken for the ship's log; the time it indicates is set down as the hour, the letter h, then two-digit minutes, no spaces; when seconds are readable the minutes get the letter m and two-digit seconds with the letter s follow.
9h04m29s
